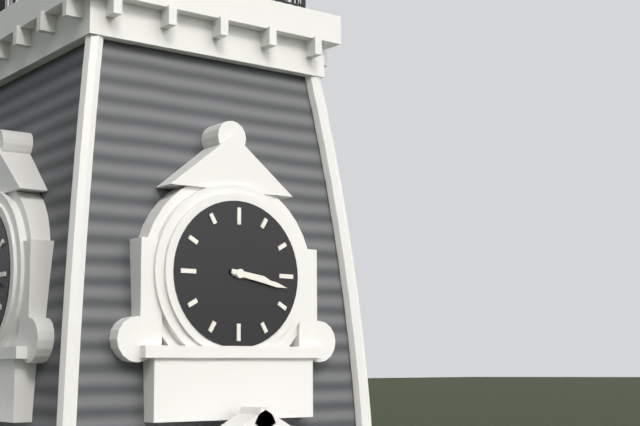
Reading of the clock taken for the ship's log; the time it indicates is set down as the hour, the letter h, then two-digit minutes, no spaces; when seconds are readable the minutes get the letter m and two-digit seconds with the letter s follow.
3h17
